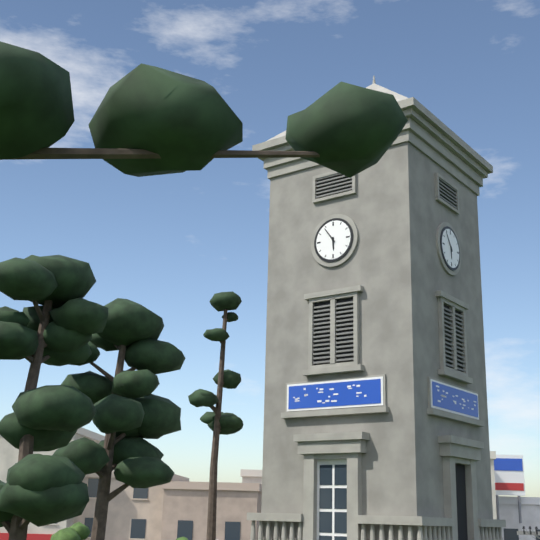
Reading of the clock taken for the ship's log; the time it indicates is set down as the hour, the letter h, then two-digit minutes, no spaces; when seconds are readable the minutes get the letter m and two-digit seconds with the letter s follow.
5h54
